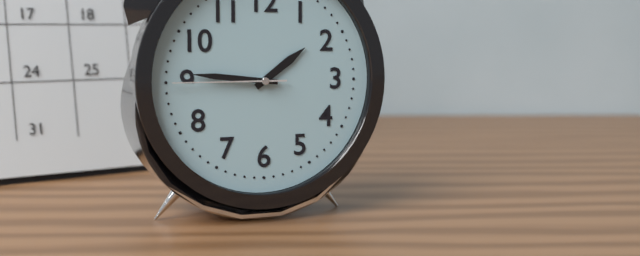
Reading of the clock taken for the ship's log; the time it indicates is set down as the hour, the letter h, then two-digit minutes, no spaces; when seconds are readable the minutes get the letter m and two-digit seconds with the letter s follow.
1h46m45s
